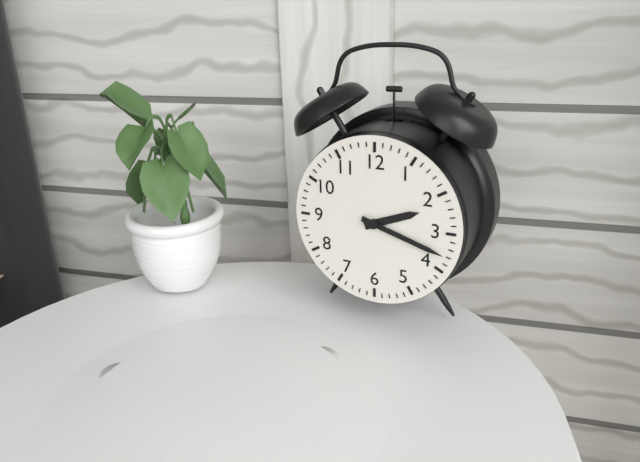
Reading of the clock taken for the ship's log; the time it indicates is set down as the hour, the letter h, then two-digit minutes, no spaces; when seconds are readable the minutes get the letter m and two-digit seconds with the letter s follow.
2h18
